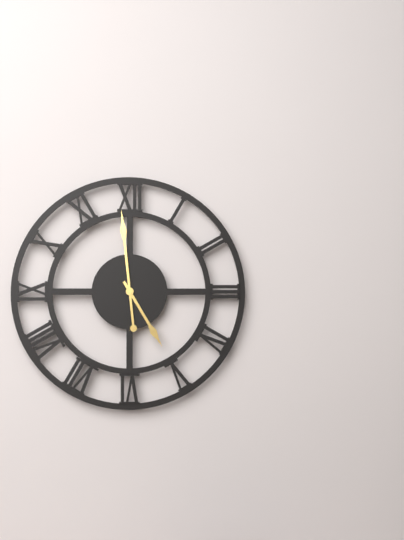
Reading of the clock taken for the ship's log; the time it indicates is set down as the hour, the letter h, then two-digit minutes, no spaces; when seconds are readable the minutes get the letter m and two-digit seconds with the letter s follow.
4h59
